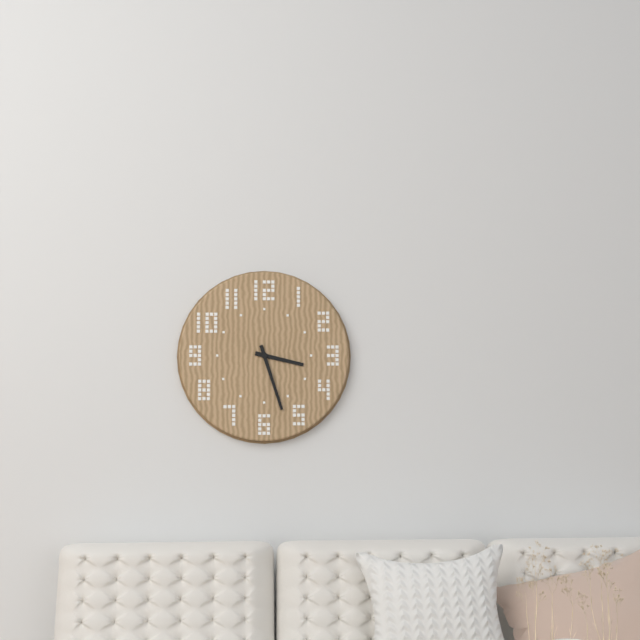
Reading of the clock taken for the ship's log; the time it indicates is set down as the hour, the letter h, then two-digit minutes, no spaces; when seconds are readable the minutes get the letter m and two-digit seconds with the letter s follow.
3h27
